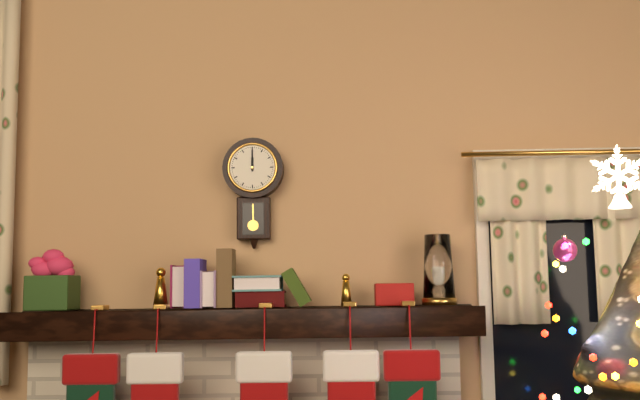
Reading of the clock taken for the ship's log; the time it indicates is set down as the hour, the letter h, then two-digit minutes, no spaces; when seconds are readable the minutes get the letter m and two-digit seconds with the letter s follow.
12h00
